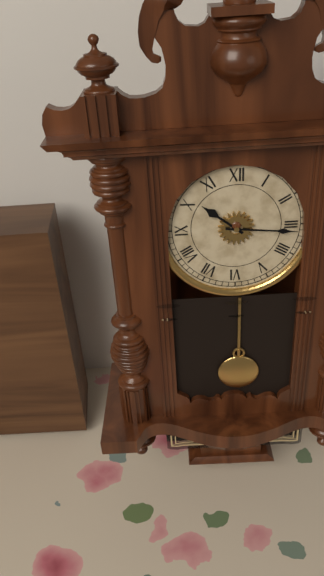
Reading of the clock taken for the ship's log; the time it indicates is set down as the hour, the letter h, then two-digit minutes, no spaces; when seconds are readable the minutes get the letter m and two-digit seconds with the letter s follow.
10h16
